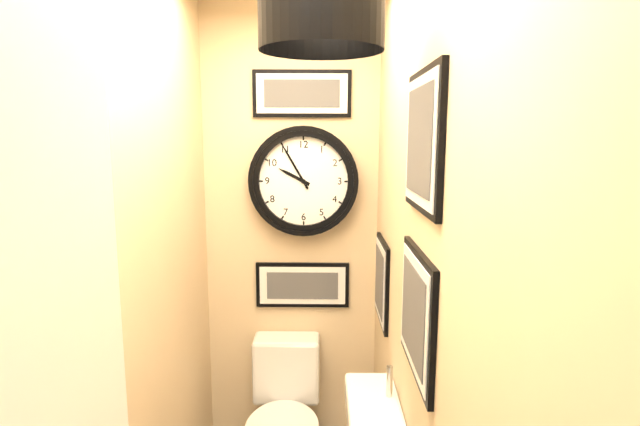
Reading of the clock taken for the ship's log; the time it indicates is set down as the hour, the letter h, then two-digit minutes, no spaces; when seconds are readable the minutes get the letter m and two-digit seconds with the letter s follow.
9h55
